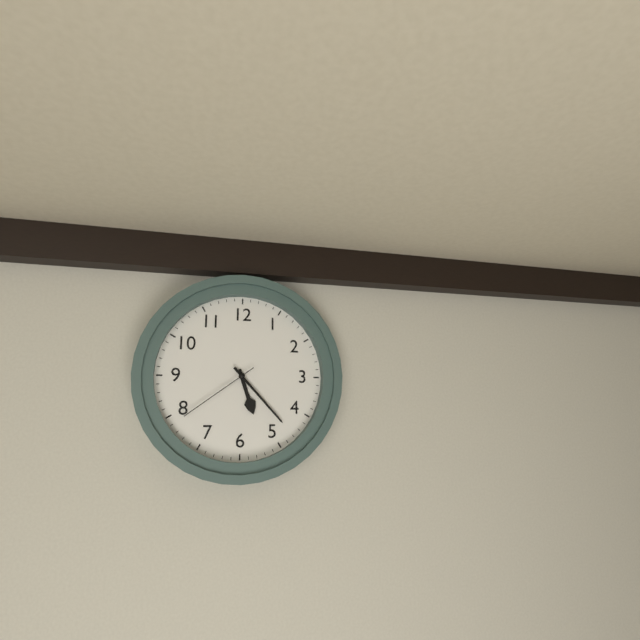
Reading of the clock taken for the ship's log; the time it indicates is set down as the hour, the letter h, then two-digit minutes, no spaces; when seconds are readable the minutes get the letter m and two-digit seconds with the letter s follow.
5h23m39s
